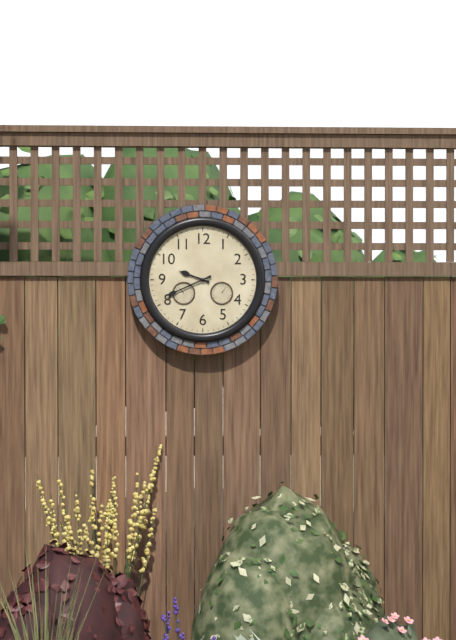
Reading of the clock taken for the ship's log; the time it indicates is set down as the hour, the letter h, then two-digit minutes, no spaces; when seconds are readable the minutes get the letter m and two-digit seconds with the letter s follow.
9h41
